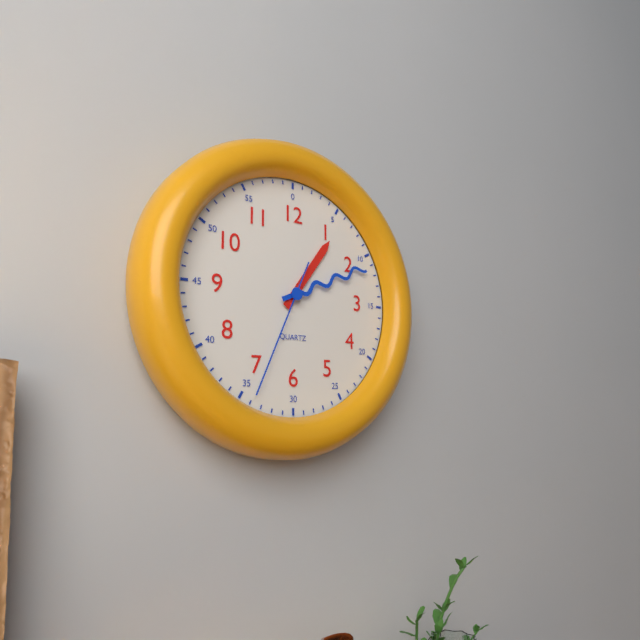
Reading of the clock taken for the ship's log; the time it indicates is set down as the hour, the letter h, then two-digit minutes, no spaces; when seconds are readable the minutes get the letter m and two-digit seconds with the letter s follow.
1h11m34s
